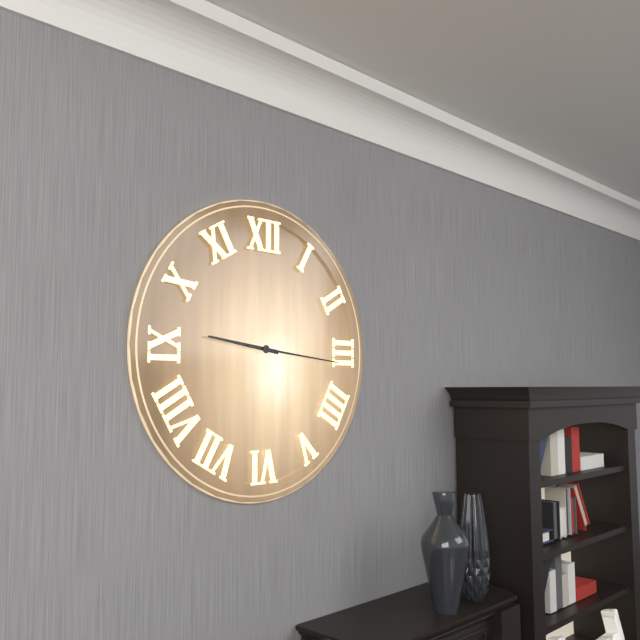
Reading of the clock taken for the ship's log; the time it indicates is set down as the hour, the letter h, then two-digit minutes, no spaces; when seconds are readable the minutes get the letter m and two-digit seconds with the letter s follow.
9h16
